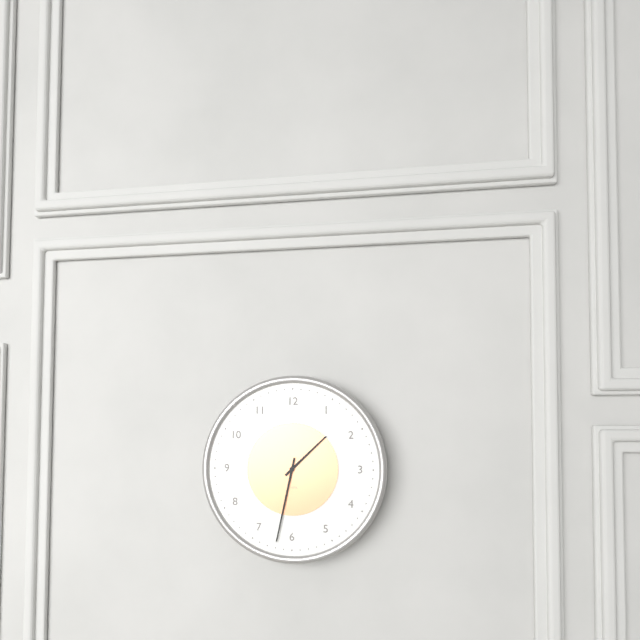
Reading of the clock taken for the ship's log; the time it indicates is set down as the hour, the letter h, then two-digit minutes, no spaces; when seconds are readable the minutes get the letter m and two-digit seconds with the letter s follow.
1h32
